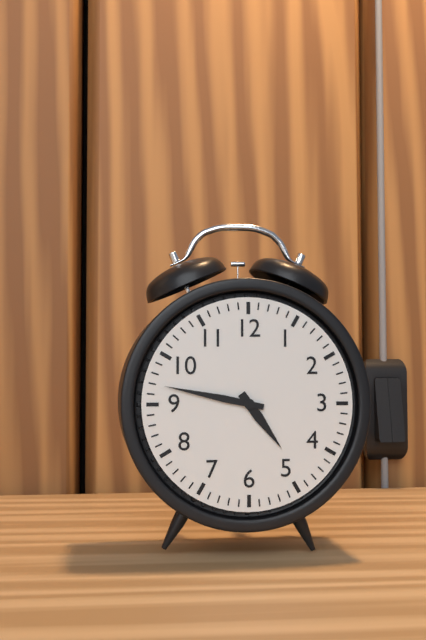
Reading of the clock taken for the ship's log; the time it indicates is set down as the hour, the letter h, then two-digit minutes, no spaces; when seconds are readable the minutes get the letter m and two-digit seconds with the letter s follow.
4h47
